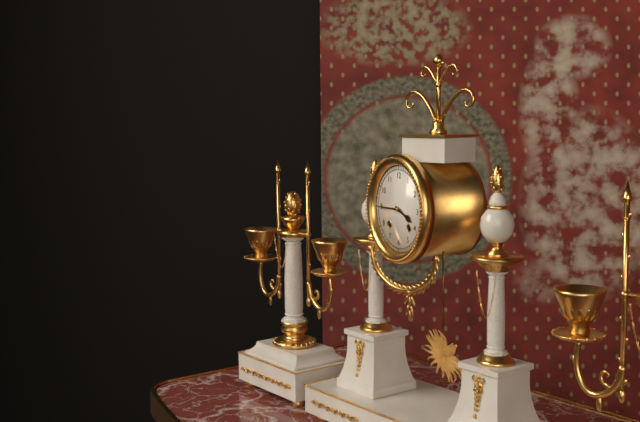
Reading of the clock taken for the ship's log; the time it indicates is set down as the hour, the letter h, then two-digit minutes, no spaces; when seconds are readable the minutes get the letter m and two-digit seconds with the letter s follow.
3h45
